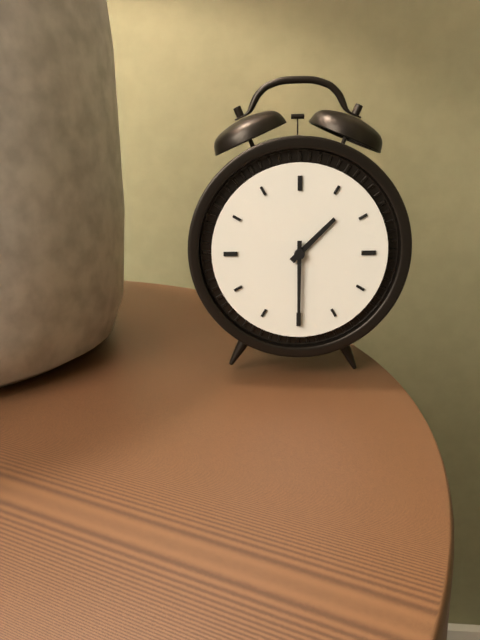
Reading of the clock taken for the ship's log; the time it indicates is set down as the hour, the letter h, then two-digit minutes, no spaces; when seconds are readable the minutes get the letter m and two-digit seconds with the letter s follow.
1h30
